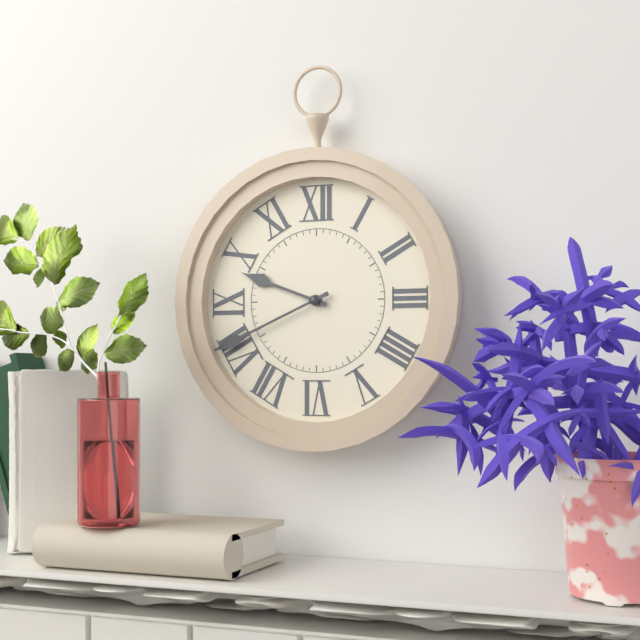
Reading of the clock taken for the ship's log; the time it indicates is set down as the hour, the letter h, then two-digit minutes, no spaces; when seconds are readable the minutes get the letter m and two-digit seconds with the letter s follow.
9h41
